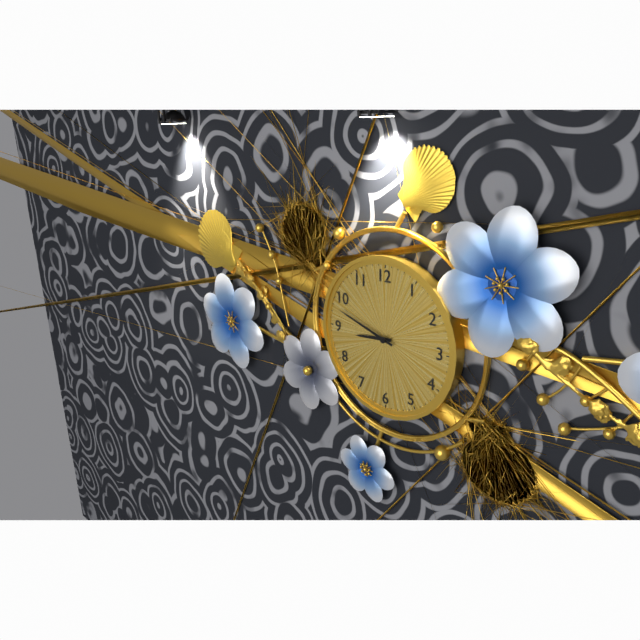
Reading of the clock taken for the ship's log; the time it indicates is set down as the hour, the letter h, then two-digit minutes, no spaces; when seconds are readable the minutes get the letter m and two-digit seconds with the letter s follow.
8h48
